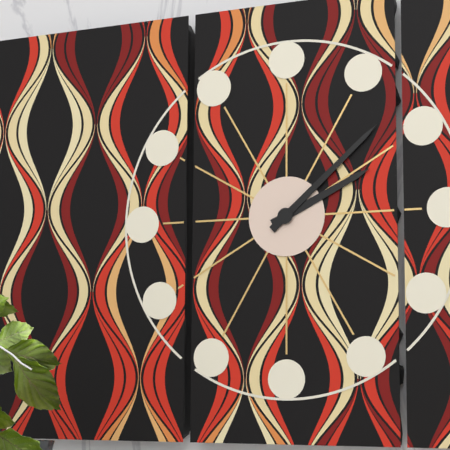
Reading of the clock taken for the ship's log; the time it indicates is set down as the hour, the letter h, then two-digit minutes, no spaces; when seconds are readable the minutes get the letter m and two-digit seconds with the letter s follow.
2h08
